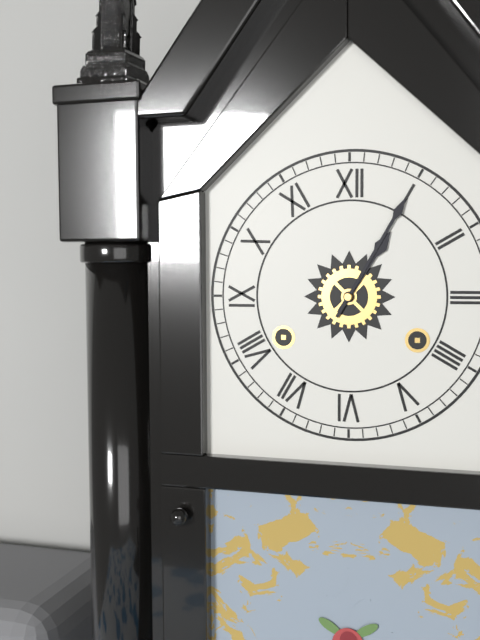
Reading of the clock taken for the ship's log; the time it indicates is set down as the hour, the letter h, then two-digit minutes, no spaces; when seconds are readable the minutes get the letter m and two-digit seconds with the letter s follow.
1h05
